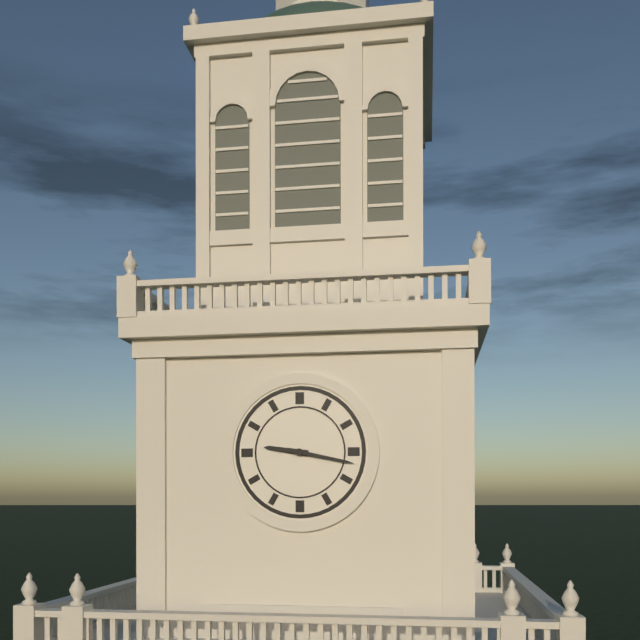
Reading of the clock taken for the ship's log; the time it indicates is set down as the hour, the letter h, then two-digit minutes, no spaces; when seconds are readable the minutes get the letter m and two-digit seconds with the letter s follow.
9h17
